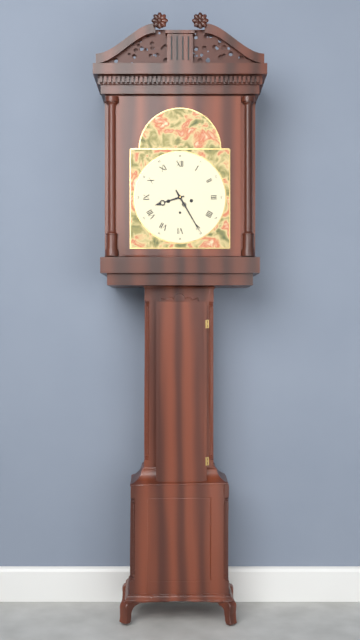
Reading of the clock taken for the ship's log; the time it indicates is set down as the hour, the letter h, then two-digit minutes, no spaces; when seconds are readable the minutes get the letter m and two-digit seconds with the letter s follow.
8h25
